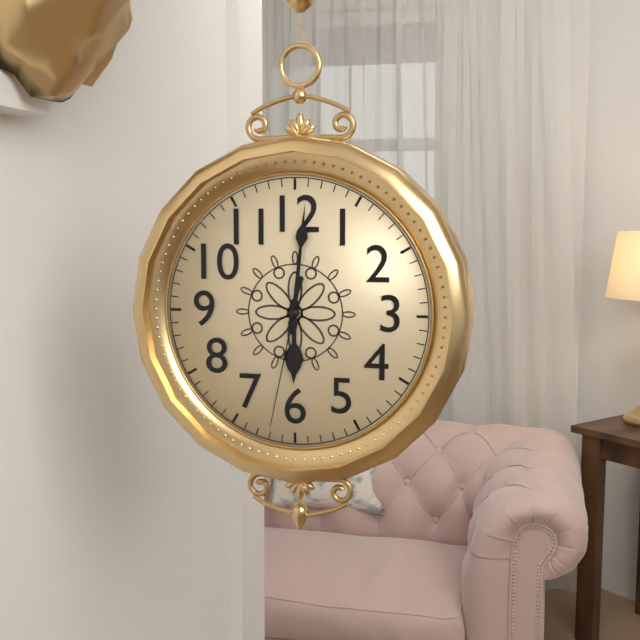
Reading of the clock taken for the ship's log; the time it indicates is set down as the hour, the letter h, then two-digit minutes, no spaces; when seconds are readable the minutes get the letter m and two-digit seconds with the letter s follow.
6h01m32s
